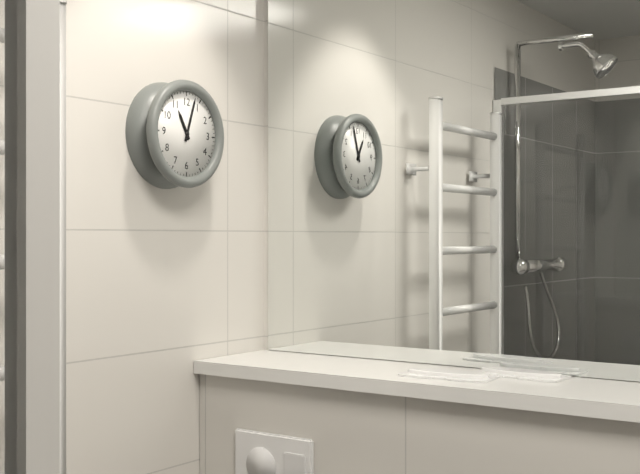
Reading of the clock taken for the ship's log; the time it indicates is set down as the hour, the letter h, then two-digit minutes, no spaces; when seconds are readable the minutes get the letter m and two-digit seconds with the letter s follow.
11h03
